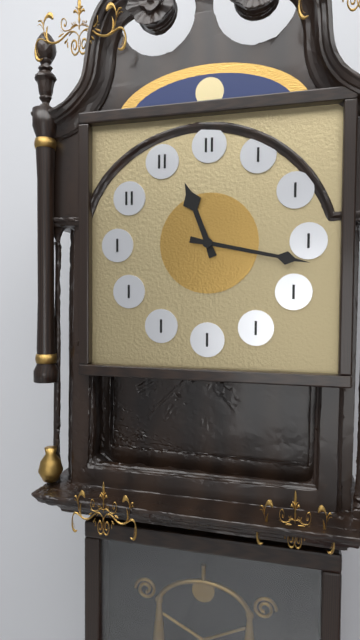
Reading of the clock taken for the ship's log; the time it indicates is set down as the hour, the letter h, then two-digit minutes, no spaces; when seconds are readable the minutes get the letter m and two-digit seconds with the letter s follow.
11h17
